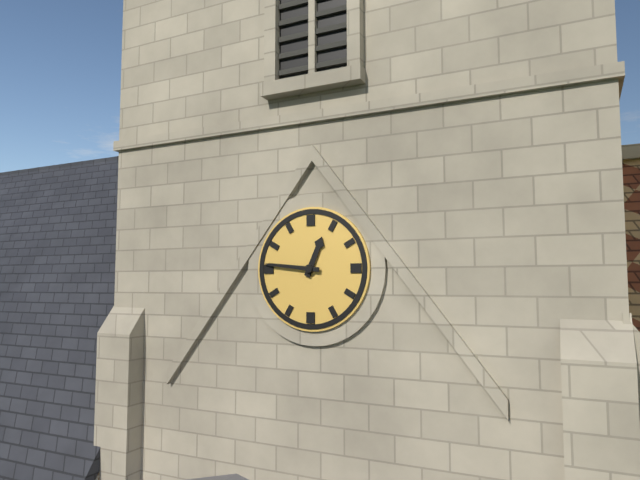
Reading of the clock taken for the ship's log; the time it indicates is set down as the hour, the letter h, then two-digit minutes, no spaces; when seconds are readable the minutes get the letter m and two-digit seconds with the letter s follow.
12h46
